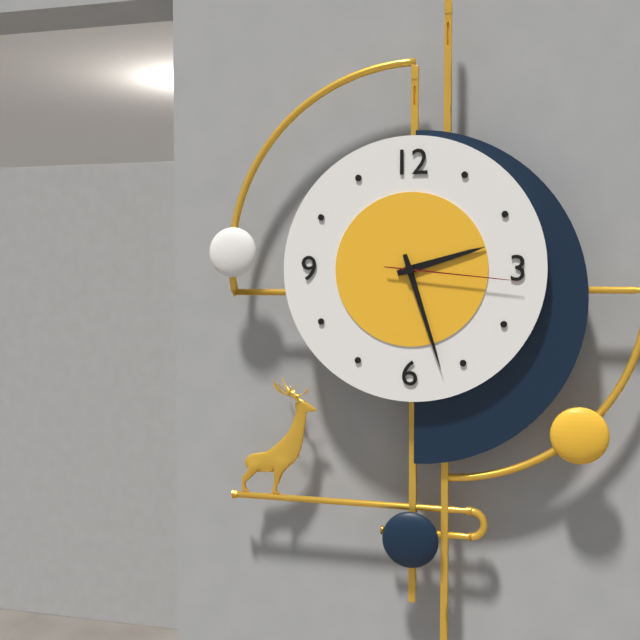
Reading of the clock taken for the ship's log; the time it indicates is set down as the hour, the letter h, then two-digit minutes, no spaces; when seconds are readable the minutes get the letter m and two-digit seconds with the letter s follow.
2h27m16s
